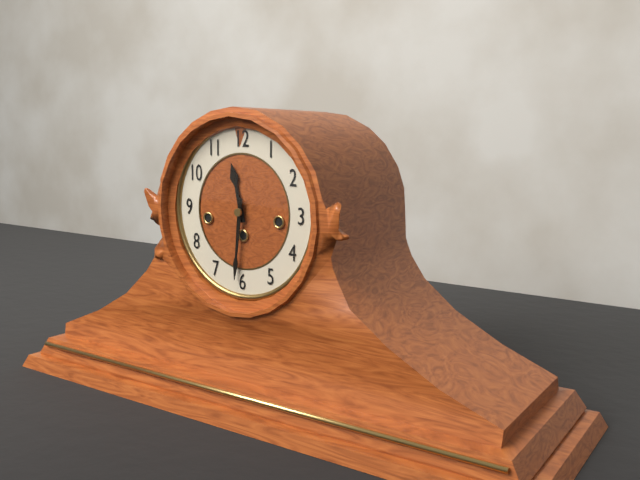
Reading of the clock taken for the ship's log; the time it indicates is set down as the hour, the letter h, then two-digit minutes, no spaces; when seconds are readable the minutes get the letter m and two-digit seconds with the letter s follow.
11h31
